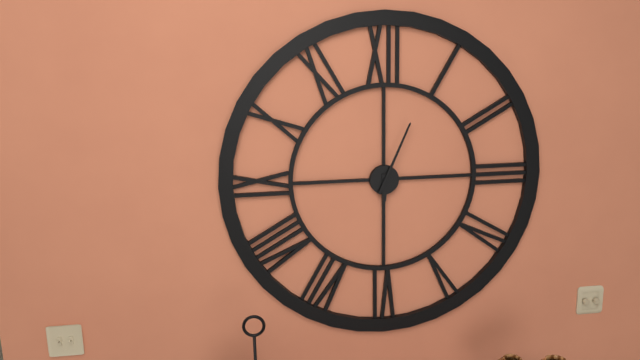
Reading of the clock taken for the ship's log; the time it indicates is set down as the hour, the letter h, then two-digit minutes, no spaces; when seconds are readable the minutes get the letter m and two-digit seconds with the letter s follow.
6h04
